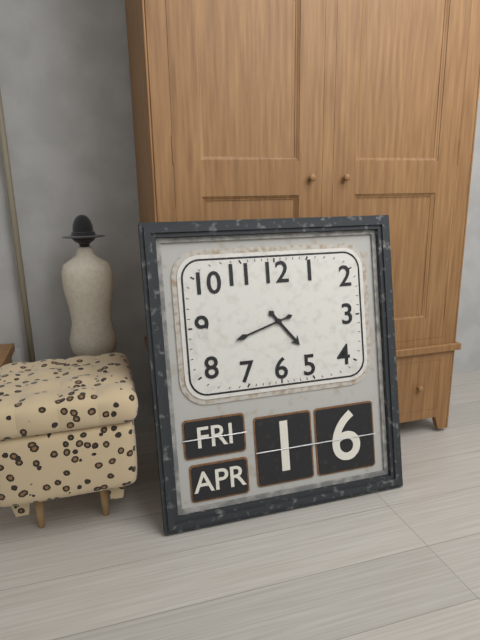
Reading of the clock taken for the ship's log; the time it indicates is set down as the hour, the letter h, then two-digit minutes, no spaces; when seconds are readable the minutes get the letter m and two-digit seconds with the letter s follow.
4h42
